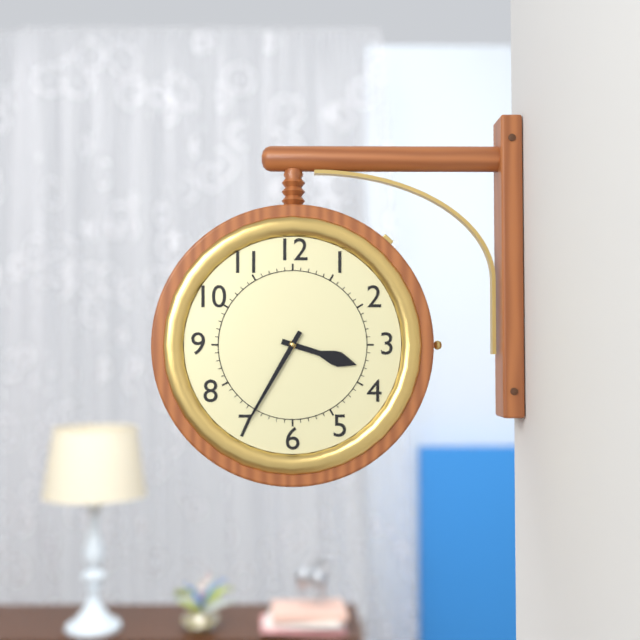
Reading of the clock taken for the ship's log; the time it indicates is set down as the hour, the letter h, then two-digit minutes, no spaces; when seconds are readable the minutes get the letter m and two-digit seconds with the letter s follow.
3h35
